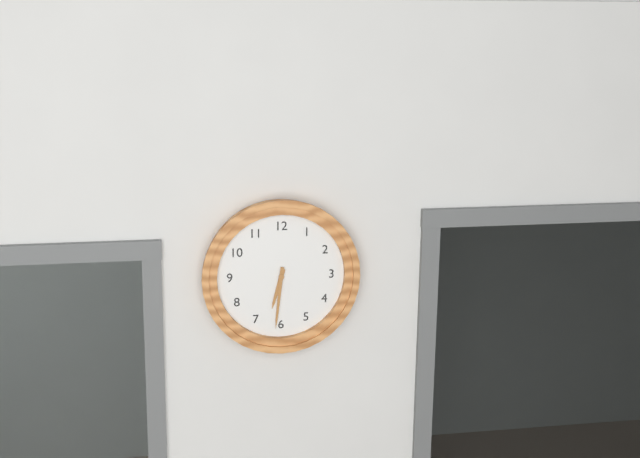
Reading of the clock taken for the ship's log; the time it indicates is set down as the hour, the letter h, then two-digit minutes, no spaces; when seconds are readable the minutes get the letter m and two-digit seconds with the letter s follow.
6h31
